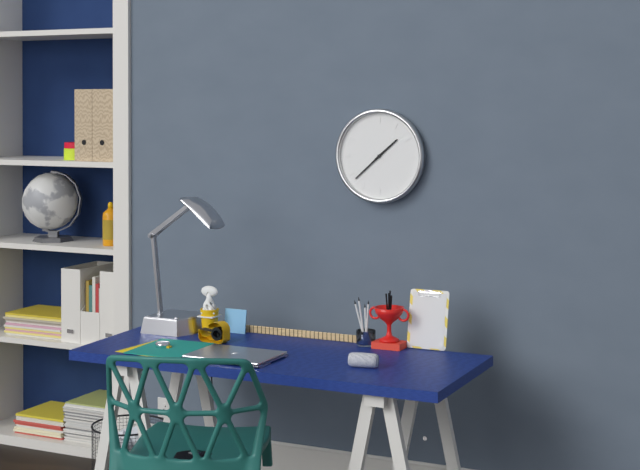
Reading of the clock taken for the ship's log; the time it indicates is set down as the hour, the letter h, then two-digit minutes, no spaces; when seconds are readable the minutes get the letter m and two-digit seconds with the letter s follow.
1h38
